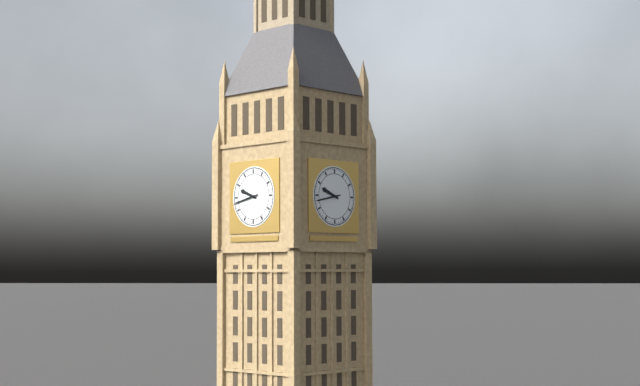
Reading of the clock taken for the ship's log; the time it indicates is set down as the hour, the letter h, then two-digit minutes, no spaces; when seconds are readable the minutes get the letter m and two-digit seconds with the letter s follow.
9h43
